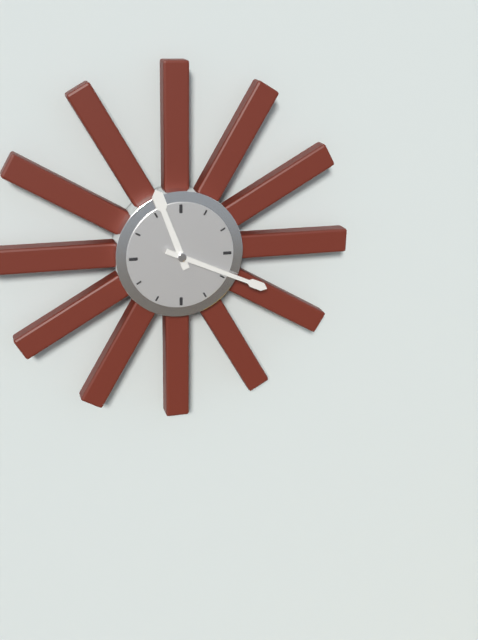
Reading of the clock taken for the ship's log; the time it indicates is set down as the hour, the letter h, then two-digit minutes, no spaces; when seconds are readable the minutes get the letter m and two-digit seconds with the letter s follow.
11h19
